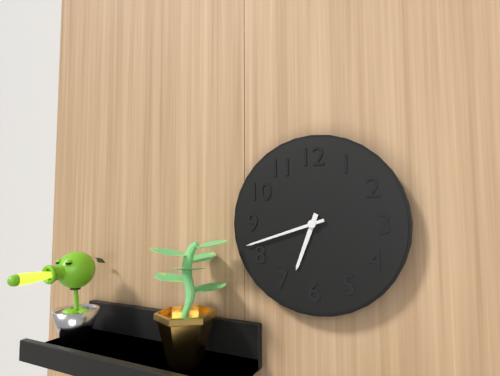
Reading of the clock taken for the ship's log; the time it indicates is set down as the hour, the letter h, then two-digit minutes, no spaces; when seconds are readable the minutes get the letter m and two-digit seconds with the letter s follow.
6h42
